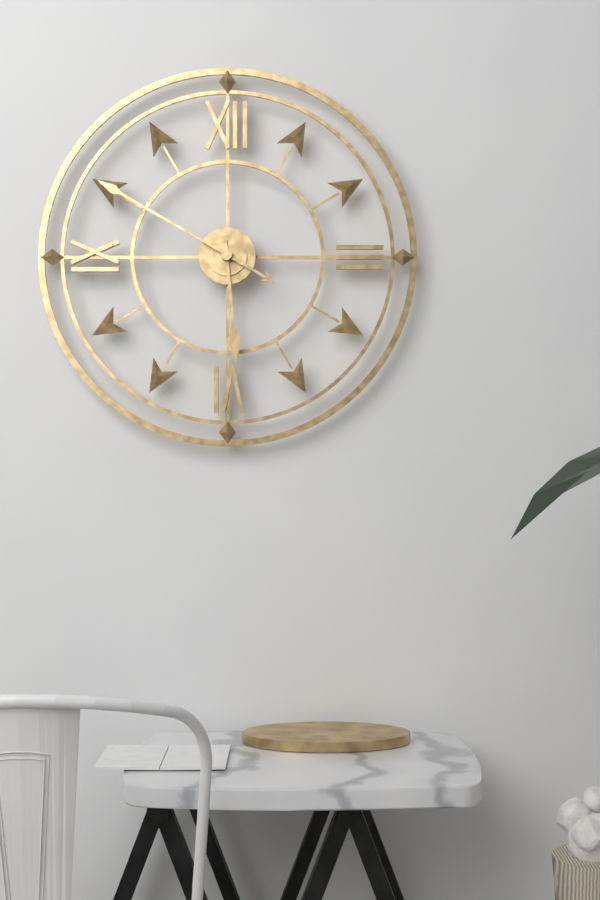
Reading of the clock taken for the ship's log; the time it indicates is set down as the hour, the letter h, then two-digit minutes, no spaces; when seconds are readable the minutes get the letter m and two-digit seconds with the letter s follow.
5h50
